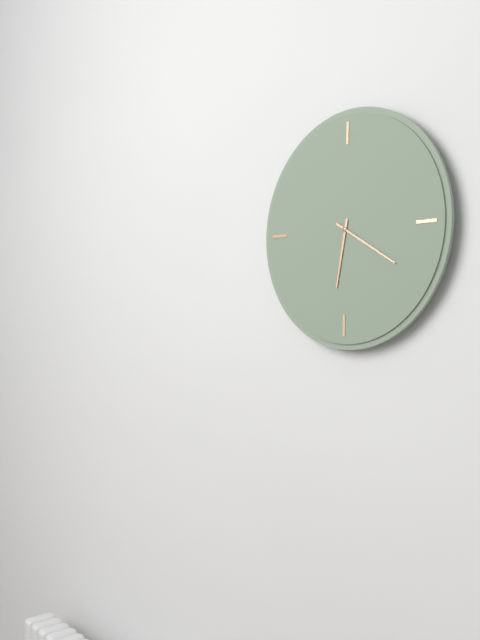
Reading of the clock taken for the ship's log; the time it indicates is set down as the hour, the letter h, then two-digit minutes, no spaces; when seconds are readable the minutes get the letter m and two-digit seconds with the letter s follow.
6h20
